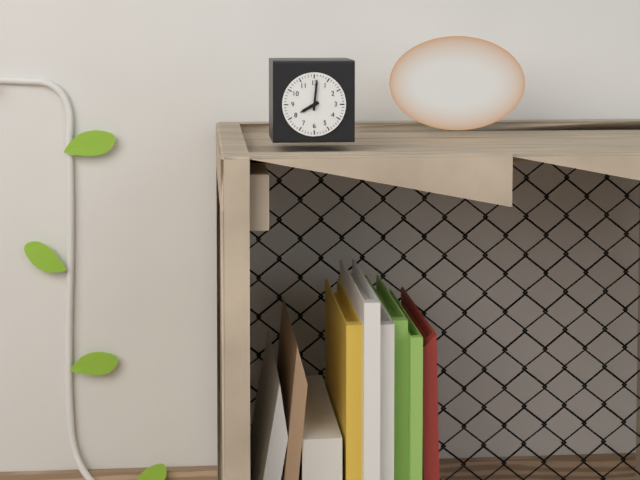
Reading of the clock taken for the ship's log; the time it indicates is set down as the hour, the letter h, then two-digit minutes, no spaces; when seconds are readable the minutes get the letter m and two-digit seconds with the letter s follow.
8h01
